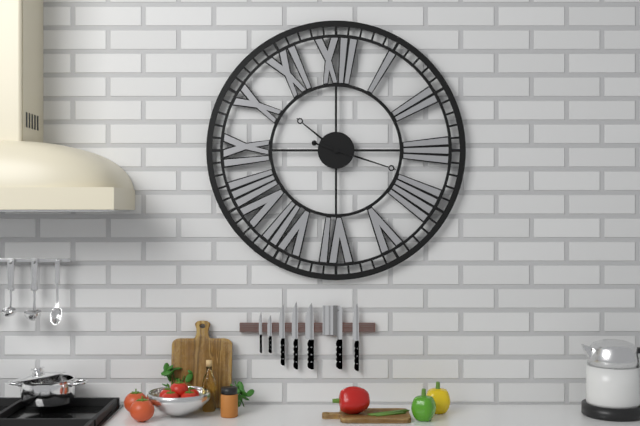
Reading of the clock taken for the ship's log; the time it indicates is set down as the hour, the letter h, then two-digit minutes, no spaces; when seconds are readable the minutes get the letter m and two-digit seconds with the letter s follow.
10h18
